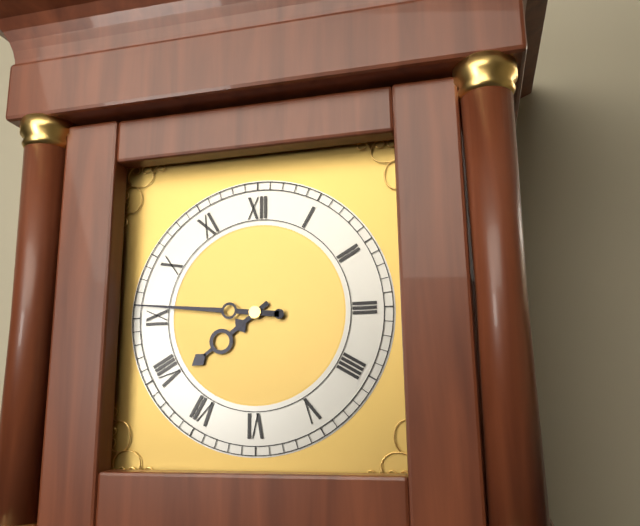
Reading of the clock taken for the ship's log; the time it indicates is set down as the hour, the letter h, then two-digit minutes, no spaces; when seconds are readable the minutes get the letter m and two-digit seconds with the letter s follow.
7h46
